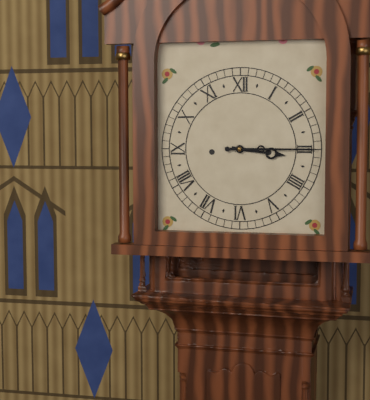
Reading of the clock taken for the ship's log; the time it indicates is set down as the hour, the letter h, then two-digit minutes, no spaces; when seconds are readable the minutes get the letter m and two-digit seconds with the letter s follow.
3h15
